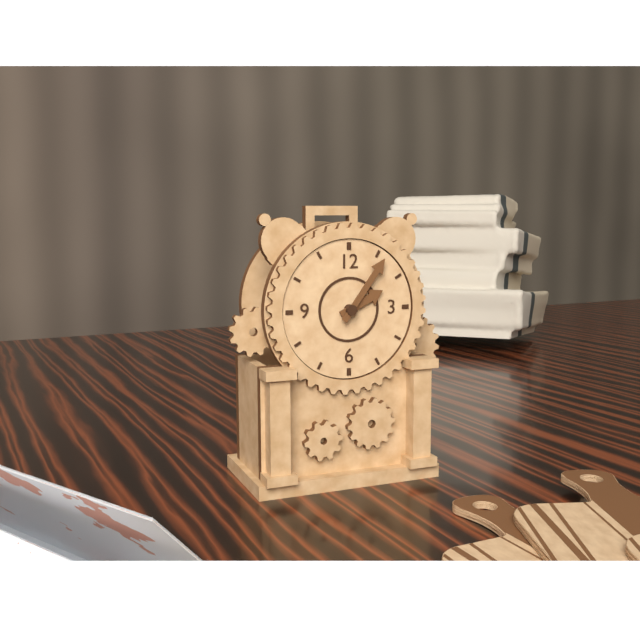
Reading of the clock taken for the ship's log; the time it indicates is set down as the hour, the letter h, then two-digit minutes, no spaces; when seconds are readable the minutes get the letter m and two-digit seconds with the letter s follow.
2h06
